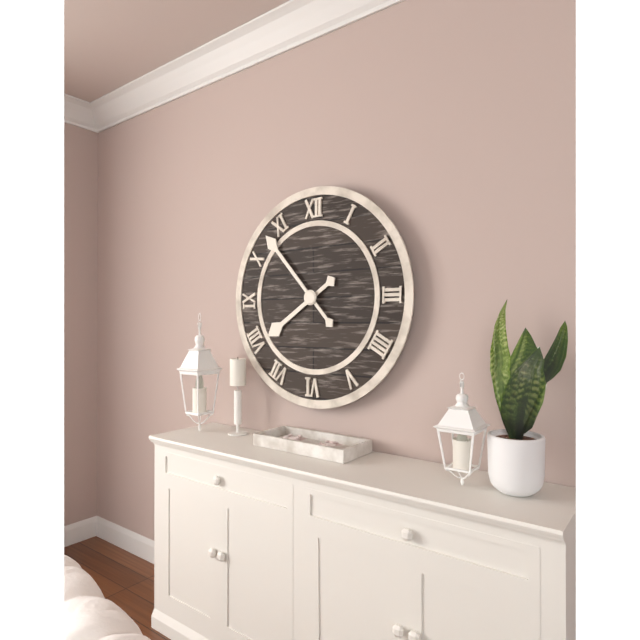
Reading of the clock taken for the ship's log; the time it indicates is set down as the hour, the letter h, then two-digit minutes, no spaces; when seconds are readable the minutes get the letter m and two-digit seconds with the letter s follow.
7h53
